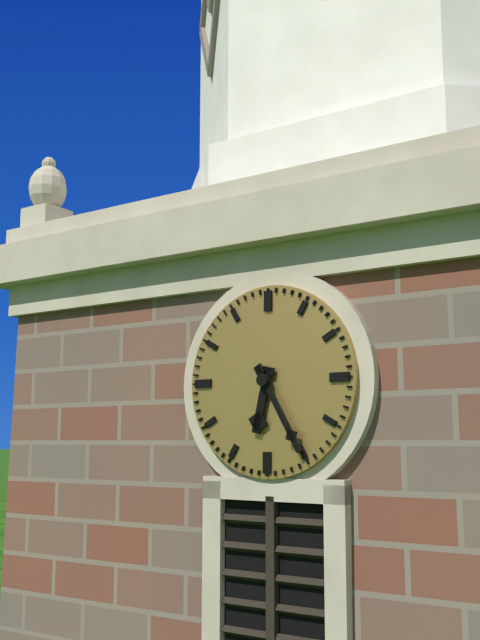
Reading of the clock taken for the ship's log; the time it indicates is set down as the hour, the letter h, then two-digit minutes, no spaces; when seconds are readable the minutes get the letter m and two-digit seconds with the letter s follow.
6h25
